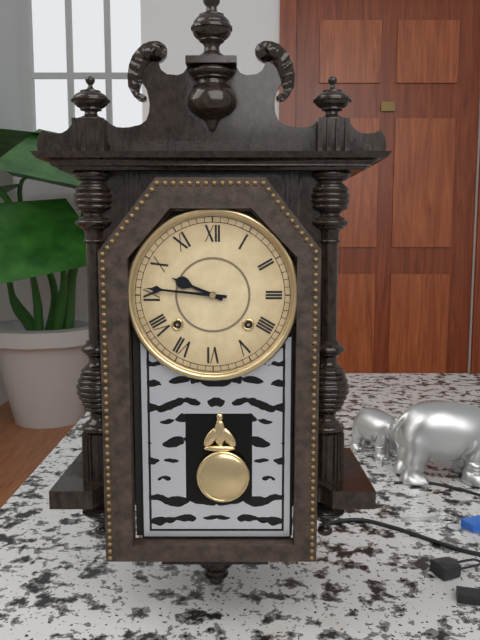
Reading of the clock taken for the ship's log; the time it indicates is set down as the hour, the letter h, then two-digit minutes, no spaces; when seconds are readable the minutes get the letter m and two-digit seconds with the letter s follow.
9h46
